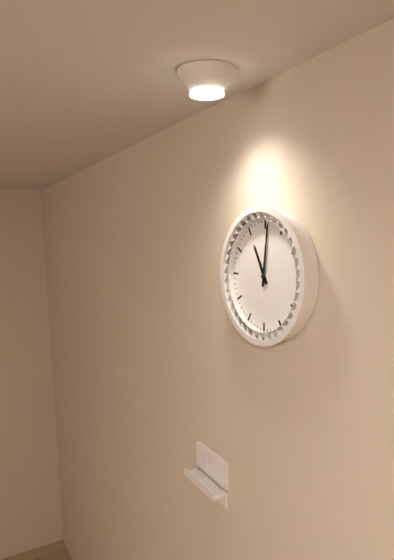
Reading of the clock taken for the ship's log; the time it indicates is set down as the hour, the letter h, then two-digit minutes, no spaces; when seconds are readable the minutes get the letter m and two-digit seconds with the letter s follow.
11h01
